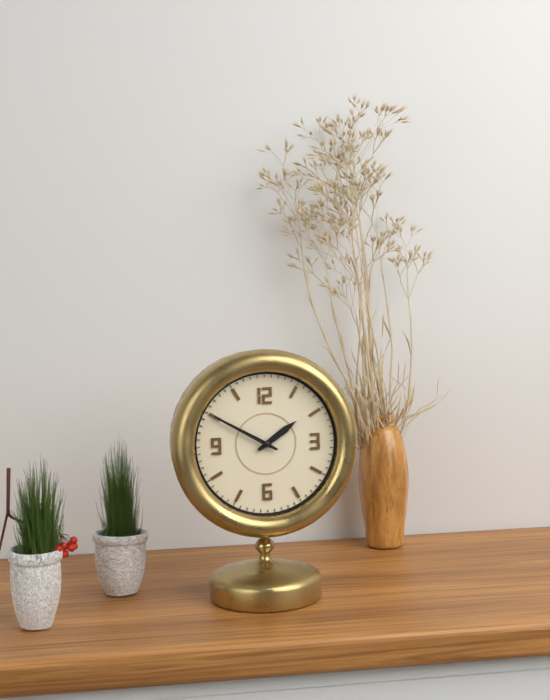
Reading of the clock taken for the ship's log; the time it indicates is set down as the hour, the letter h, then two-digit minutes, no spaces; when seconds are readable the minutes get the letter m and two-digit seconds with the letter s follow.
1h50
